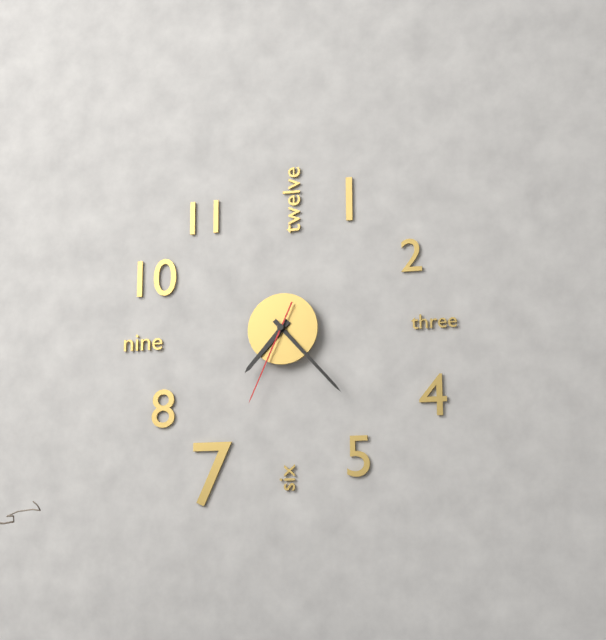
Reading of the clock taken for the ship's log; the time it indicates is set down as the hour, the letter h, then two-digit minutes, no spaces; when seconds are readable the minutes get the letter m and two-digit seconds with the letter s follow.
7h23m34s
